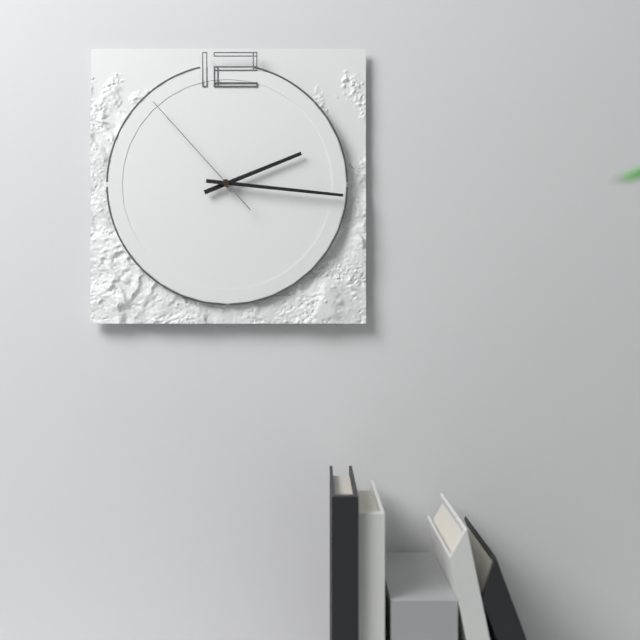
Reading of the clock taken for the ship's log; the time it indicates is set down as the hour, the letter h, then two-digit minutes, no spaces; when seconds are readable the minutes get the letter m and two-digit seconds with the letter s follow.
2h16m53s
